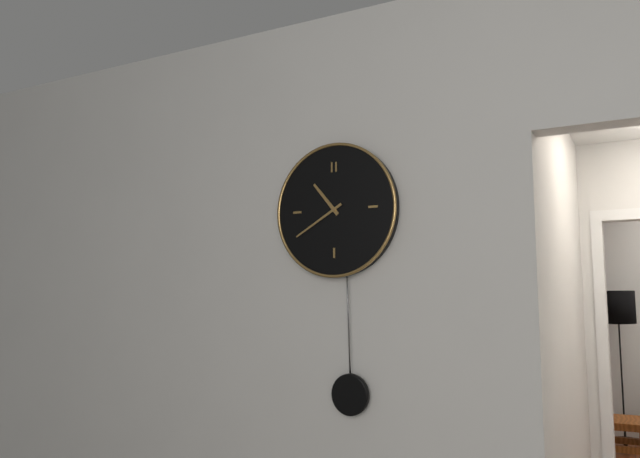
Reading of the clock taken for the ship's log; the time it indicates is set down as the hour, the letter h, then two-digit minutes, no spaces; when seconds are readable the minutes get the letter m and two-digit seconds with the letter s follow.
10h40
